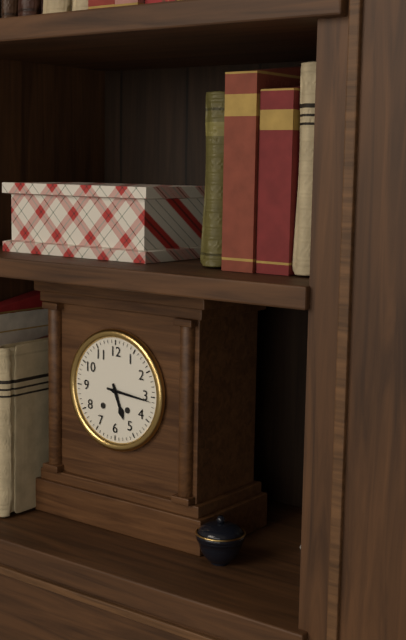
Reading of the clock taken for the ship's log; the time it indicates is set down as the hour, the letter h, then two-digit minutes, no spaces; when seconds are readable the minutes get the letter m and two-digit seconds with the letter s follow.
5h16
